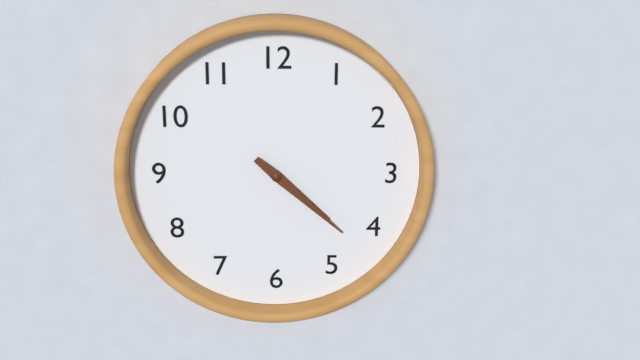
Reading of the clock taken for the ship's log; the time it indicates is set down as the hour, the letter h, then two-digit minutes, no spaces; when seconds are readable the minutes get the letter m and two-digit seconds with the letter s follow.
4h22
